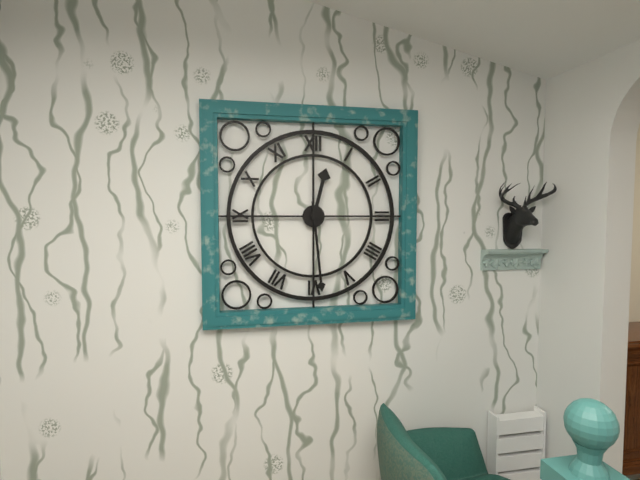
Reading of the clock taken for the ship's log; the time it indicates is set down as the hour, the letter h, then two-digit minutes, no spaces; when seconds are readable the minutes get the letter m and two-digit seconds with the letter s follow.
12h29
